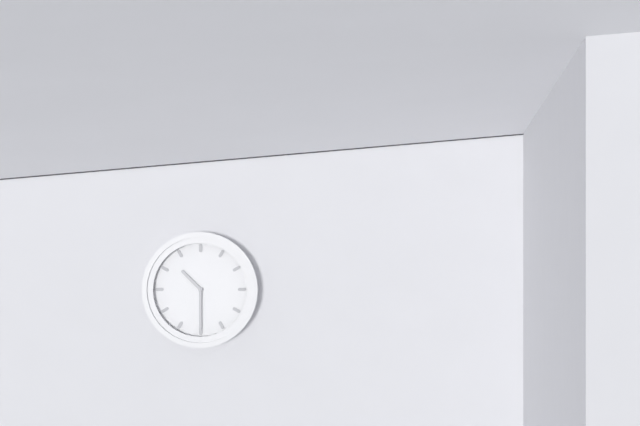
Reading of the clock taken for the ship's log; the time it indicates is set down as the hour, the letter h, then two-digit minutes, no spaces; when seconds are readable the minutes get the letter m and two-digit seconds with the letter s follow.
10h30
